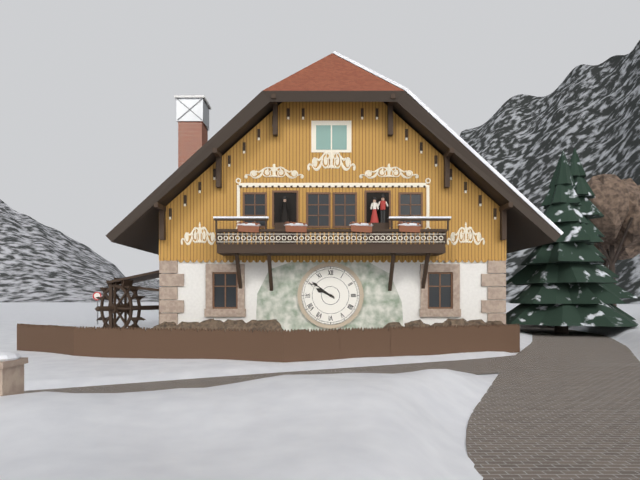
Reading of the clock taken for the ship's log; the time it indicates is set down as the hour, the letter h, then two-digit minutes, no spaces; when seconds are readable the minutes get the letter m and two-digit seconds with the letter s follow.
9h51
